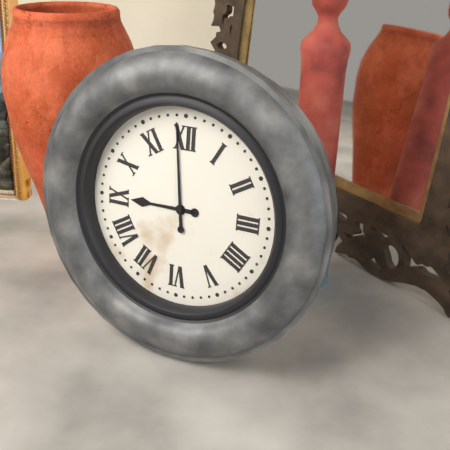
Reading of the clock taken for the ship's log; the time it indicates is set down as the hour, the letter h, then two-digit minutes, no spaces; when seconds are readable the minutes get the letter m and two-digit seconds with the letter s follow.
8h59
